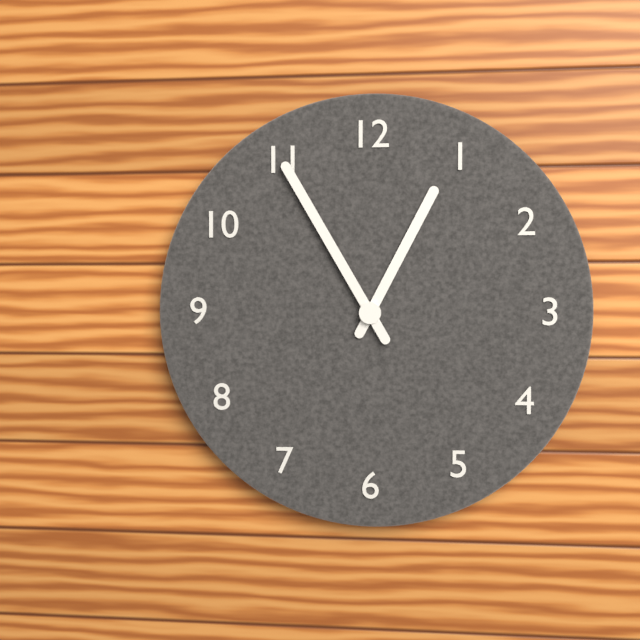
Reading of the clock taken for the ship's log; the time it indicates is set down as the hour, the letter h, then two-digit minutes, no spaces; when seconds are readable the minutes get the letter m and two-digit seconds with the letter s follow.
12h55
